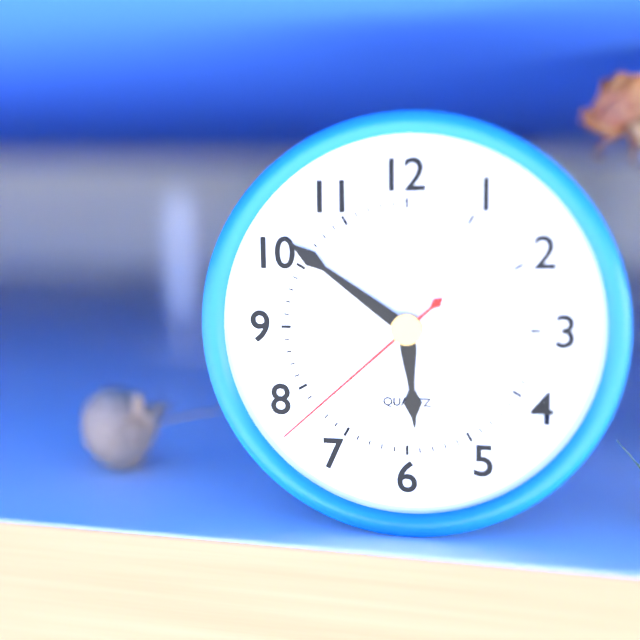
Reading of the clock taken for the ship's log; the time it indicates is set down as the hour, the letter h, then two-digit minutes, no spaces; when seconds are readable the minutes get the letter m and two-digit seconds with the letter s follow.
5h51m38s
